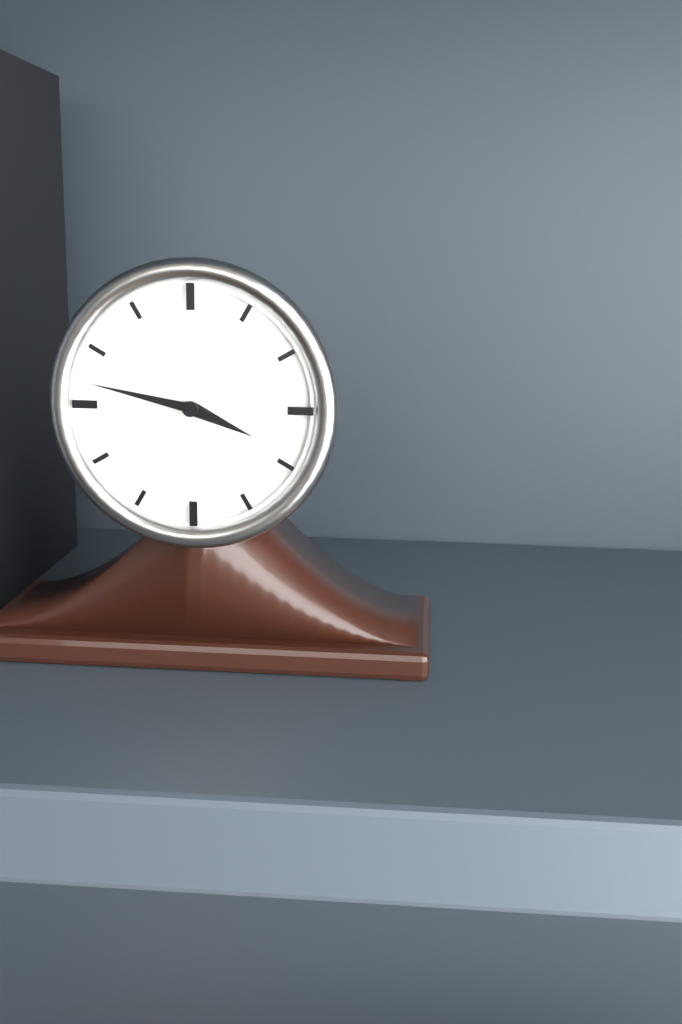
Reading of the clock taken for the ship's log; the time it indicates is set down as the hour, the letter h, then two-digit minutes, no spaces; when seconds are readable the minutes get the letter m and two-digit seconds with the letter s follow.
3h47
